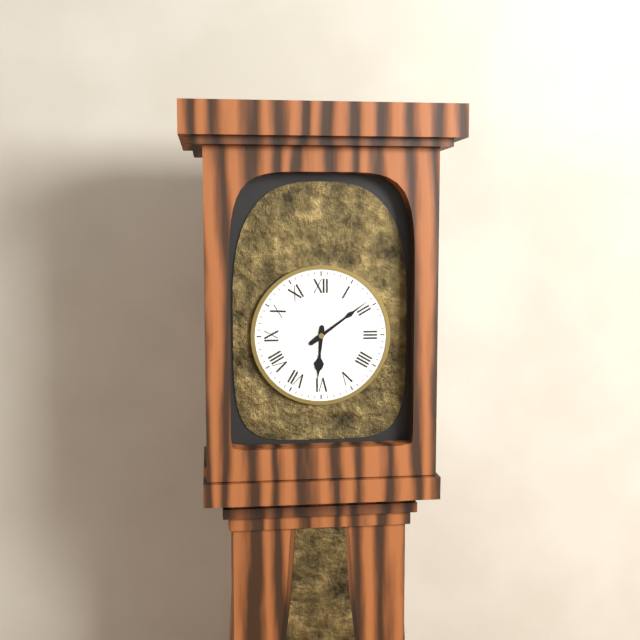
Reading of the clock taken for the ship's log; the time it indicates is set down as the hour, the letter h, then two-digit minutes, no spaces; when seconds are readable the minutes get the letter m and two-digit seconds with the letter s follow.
6h09
